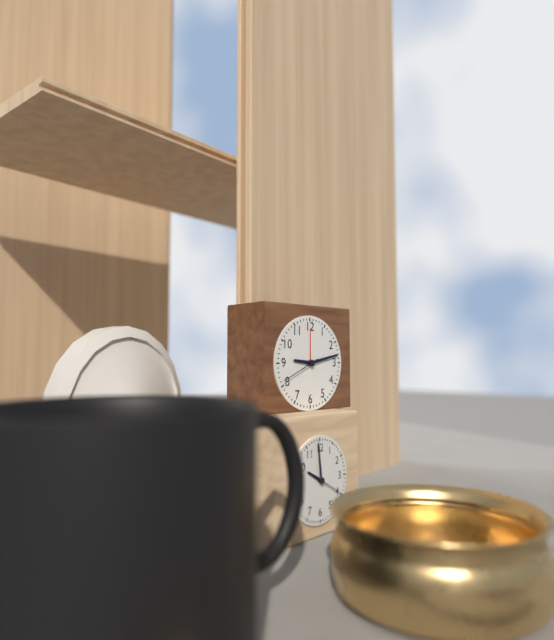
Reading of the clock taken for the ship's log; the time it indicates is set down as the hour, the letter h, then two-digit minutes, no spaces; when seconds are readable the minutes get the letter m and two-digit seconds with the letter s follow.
9h13
